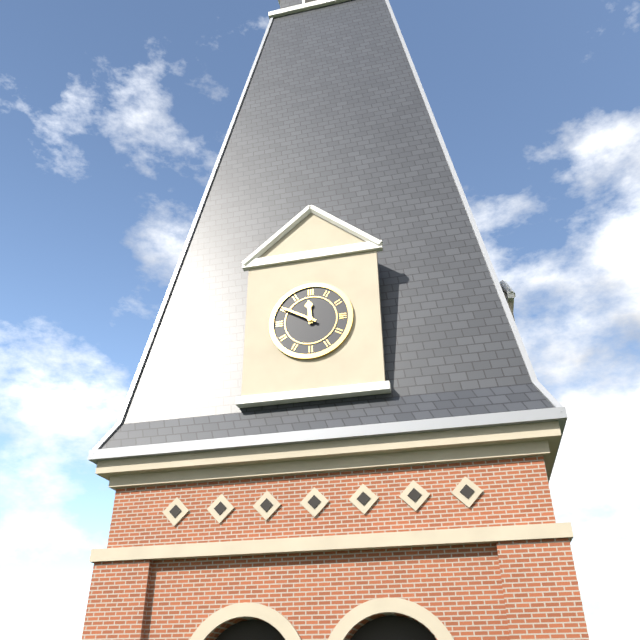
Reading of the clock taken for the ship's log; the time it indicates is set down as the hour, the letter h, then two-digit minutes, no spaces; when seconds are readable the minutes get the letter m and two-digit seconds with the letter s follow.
11h50
